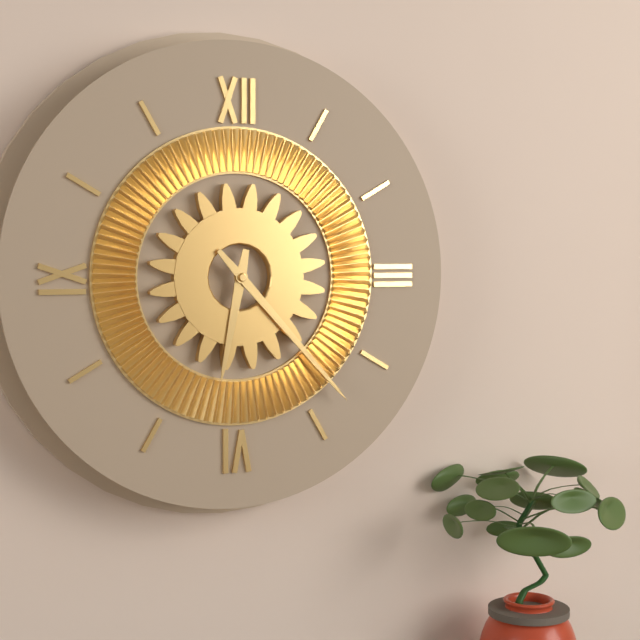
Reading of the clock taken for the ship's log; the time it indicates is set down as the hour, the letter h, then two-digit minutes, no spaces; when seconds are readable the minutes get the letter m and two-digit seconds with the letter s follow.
6h23
